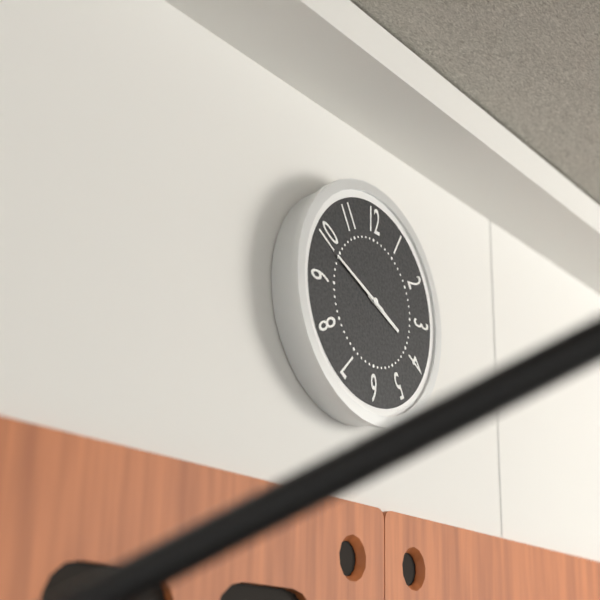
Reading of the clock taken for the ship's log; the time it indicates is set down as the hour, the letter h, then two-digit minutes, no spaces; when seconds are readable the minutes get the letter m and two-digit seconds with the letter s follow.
3h49
